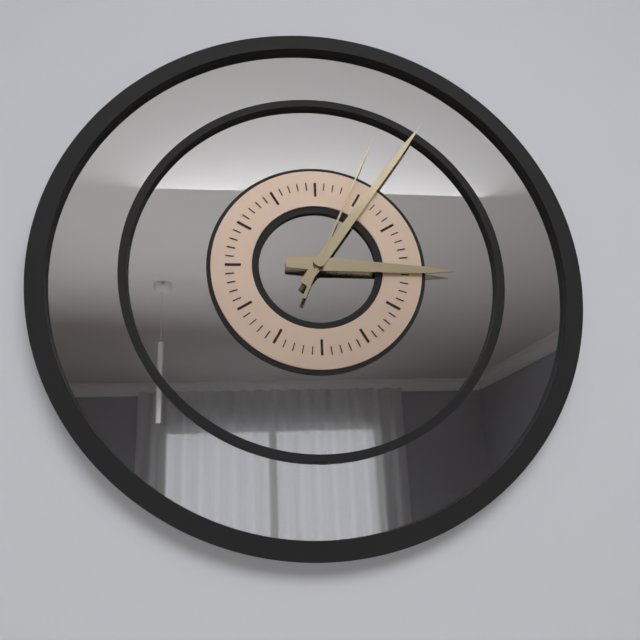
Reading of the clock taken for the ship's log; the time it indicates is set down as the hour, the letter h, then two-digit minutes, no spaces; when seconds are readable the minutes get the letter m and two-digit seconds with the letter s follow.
3h06m04s
